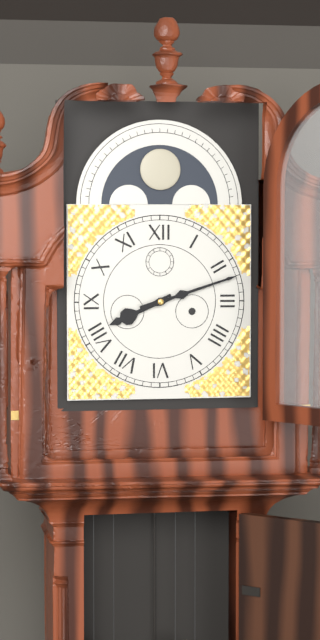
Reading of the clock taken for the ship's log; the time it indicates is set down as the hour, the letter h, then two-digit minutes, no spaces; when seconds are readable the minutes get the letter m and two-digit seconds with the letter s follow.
8h12
